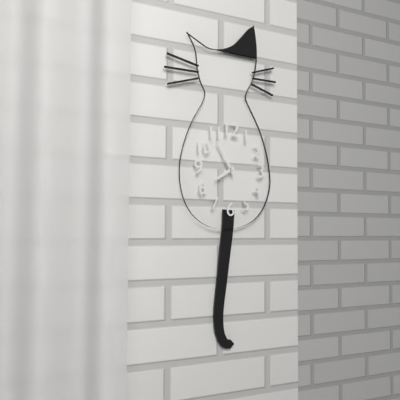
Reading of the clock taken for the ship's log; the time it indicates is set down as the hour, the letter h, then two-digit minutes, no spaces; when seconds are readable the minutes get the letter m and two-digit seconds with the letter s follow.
7h55
